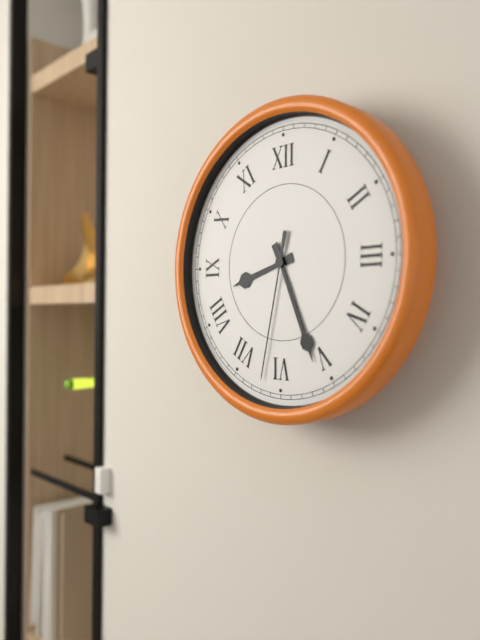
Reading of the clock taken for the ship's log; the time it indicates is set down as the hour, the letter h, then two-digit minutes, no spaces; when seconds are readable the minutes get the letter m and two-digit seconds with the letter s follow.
8h26m32s
